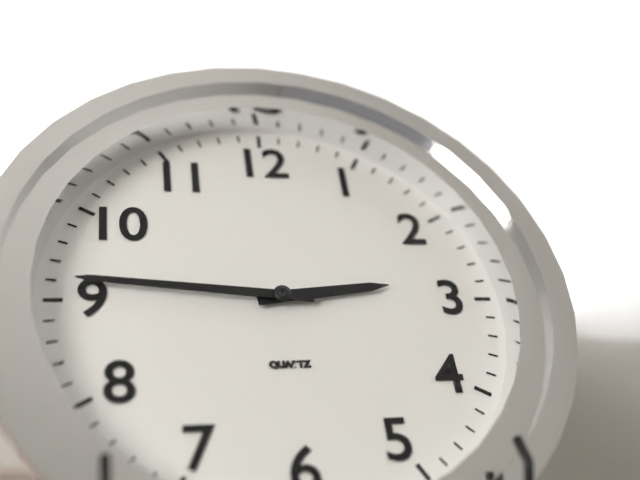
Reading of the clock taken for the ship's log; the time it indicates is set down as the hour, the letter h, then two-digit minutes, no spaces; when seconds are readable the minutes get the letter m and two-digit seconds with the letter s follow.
2h46
